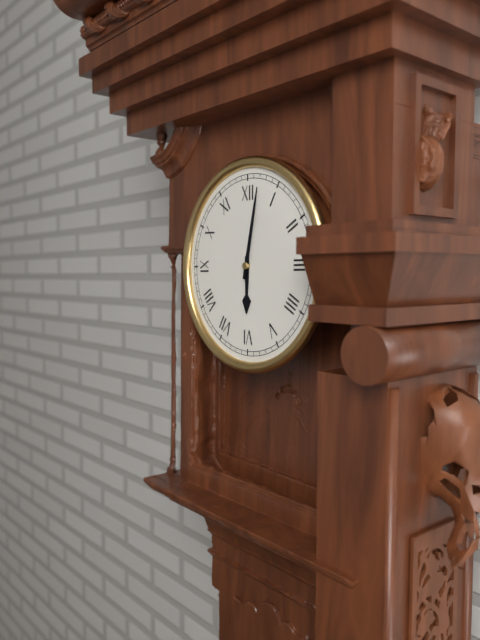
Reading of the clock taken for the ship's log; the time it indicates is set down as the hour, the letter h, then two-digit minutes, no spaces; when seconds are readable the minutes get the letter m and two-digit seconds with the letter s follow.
6h02
